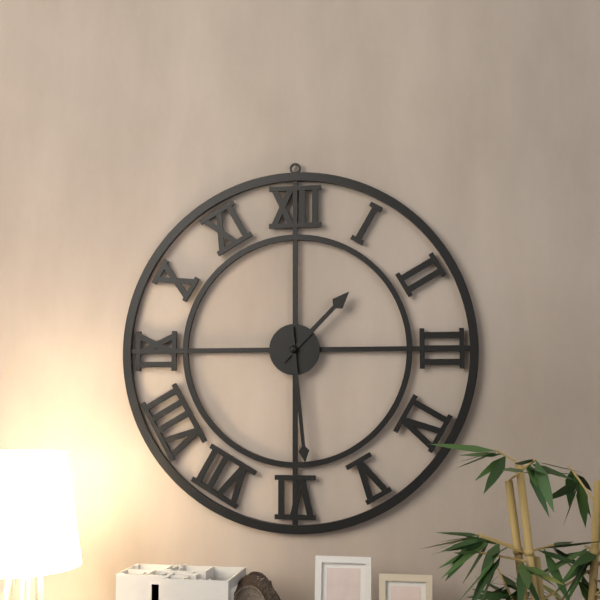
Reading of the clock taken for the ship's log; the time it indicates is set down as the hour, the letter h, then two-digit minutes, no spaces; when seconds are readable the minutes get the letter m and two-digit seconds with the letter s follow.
1h29
